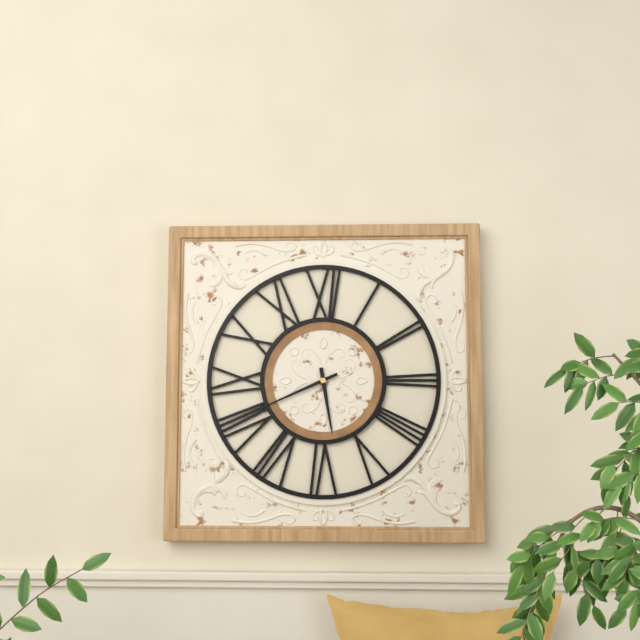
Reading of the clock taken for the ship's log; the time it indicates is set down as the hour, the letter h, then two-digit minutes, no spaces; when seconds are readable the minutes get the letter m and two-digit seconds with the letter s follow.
5h41
